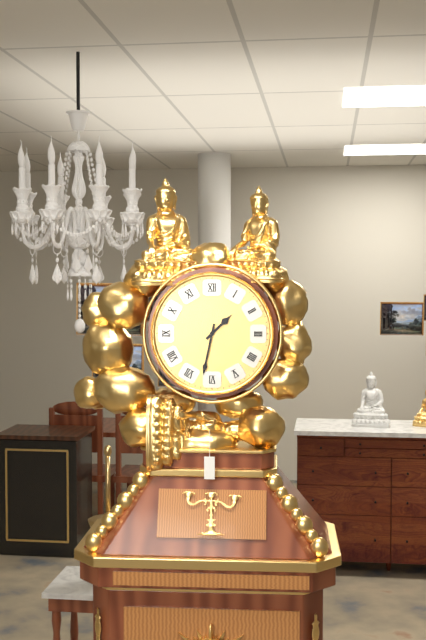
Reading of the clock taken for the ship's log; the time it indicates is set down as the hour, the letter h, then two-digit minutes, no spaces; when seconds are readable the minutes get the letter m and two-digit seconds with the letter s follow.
1h32
